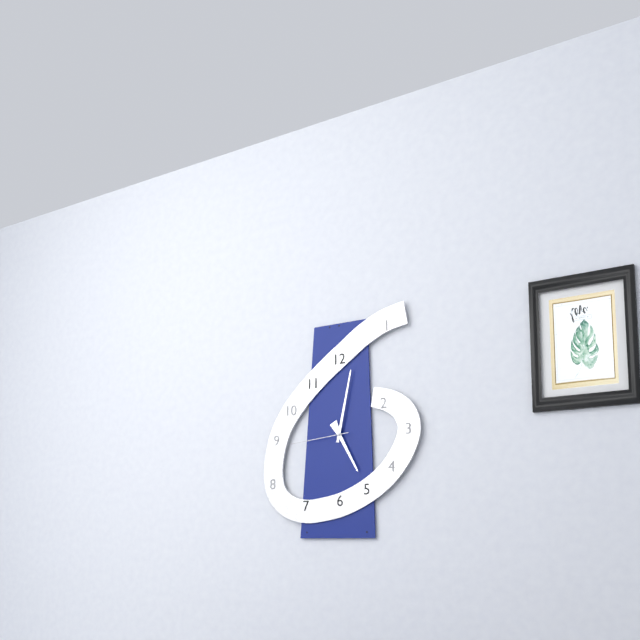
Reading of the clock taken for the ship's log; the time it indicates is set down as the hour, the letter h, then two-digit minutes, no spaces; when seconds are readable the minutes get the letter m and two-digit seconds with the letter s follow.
5h02m44s
